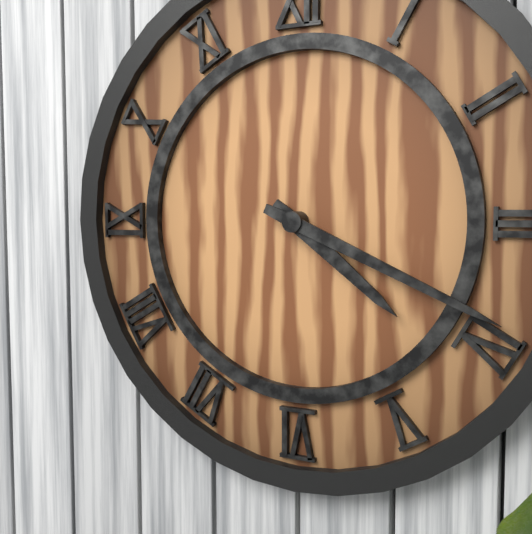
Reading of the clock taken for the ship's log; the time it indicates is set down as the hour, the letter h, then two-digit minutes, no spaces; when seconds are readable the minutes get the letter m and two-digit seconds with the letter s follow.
4h19
